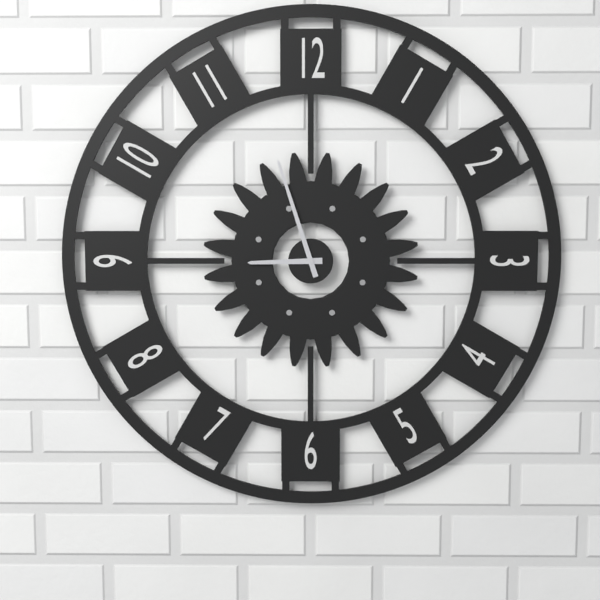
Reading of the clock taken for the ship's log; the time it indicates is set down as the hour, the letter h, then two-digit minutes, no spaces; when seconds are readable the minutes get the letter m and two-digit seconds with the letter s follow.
8h57
